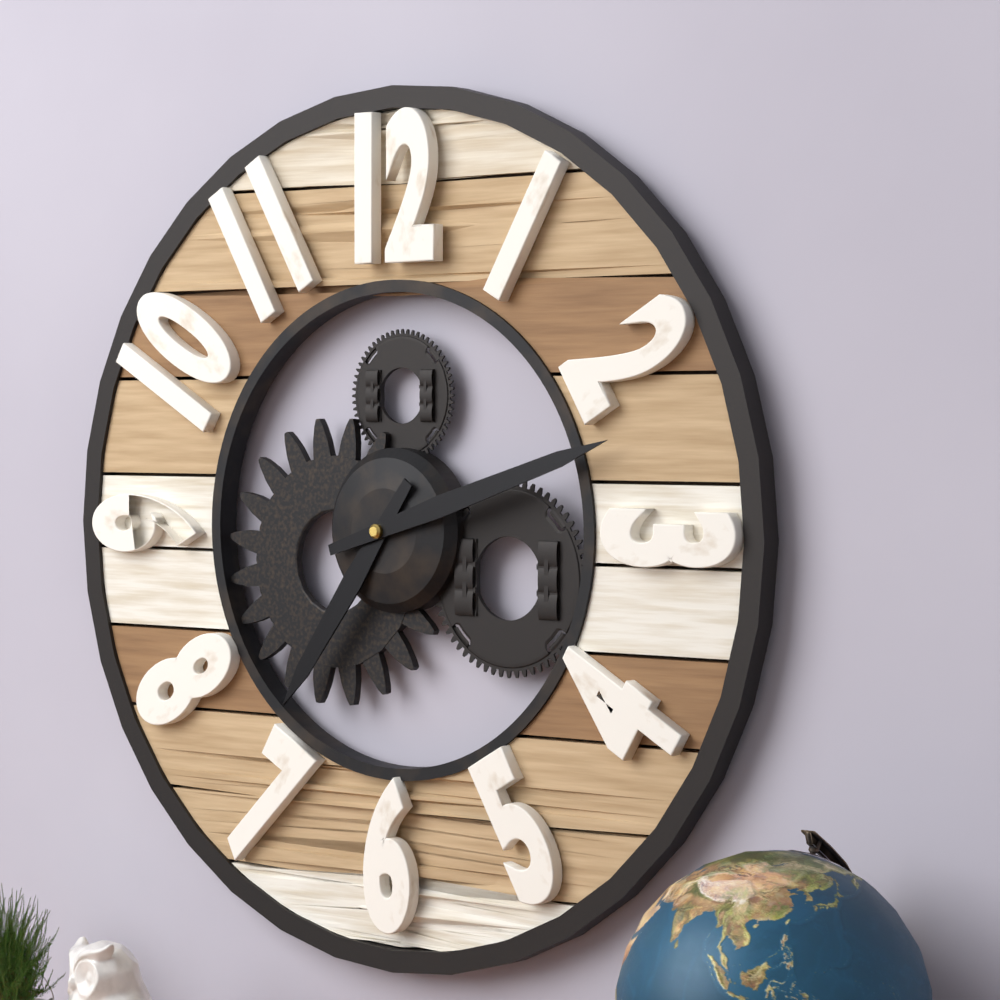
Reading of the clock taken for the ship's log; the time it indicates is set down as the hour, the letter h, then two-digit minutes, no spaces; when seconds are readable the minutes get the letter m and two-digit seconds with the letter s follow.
7h12
